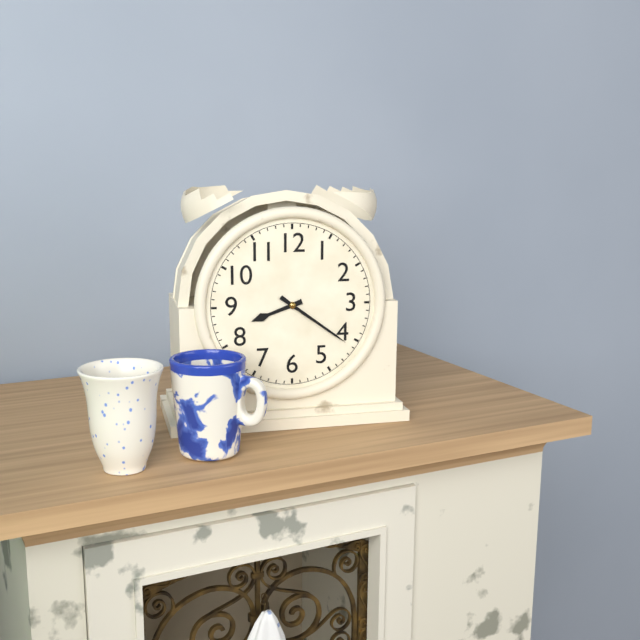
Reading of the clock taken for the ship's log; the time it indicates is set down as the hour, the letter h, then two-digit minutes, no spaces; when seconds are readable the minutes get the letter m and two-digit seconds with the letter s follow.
8h21
